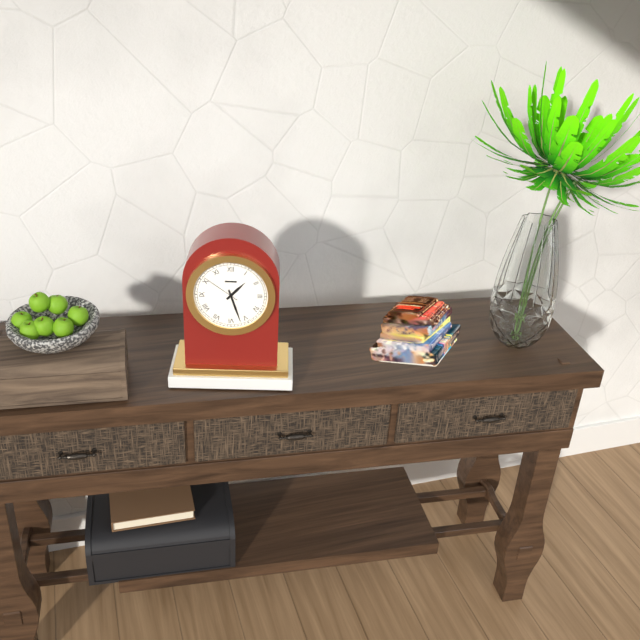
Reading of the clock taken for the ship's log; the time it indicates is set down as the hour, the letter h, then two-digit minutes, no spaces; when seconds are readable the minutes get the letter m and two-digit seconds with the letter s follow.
1h27
